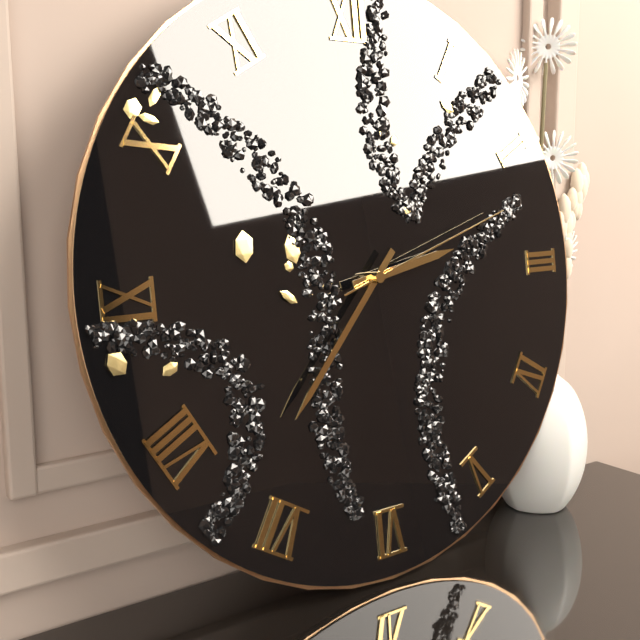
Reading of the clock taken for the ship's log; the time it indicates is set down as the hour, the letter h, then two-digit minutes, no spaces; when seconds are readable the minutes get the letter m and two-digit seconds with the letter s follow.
2h37m12s
